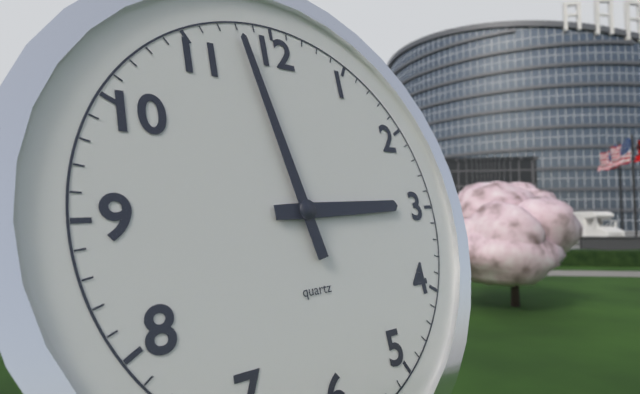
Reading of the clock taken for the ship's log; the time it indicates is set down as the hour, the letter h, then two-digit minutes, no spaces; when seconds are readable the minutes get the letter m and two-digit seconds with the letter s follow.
2h58
